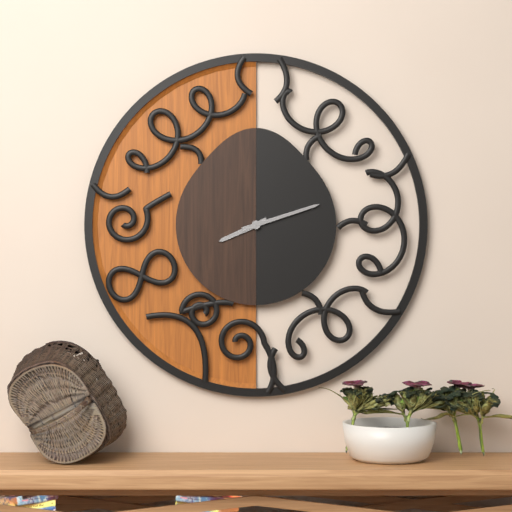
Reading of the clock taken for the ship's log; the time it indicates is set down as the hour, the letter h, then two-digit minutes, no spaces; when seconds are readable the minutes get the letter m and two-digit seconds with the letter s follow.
8h12
